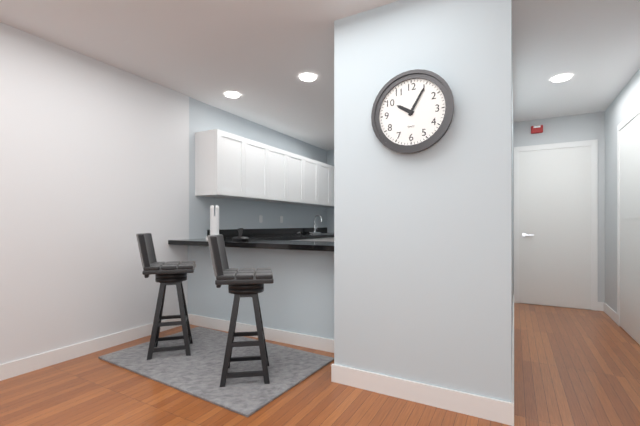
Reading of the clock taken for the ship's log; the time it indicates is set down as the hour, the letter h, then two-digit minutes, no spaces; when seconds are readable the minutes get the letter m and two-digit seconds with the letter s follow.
10h05
